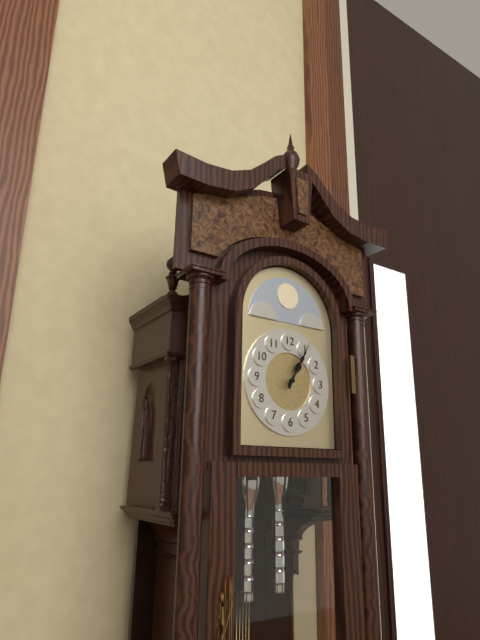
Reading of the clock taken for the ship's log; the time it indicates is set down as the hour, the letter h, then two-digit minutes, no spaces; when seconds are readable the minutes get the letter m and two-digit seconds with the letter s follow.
1h05
